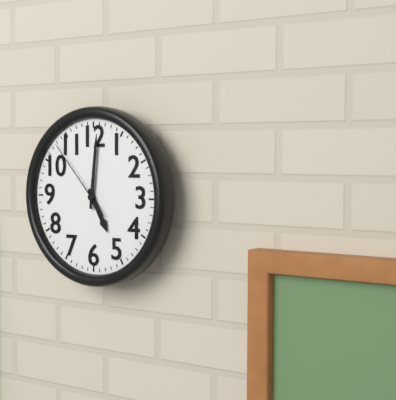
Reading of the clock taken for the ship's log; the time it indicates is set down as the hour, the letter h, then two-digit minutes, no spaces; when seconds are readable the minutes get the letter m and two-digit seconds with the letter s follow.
5h01m53s
